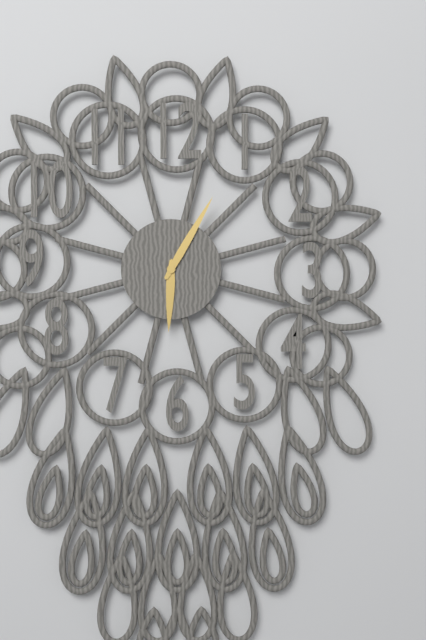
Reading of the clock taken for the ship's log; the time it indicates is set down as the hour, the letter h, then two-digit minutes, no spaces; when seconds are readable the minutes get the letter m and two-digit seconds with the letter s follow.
6h05
